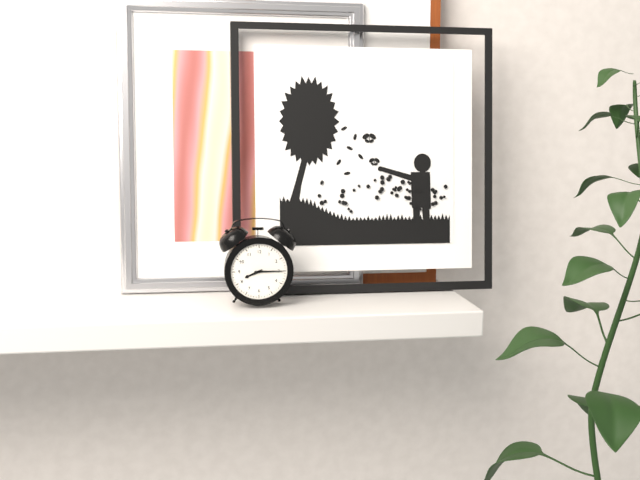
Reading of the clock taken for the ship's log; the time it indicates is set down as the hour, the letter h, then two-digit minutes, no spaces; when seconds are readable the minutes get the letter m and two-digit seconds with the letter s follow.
8h15
